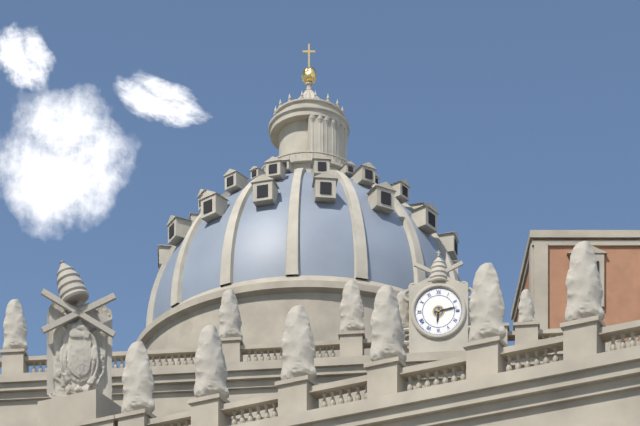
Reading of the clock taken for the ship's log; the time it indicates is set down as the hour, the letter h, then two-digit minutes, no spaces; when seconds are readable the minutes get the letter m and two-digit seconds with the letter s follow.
6h13
